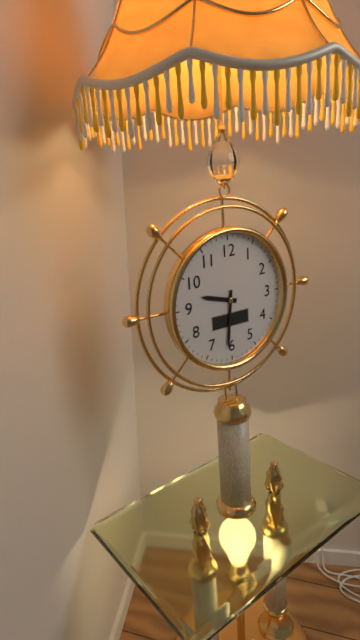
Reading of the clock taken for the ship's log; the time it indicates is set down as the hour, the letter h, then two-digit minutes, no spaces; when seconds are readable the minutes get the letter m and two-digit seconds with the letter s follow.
9h31
